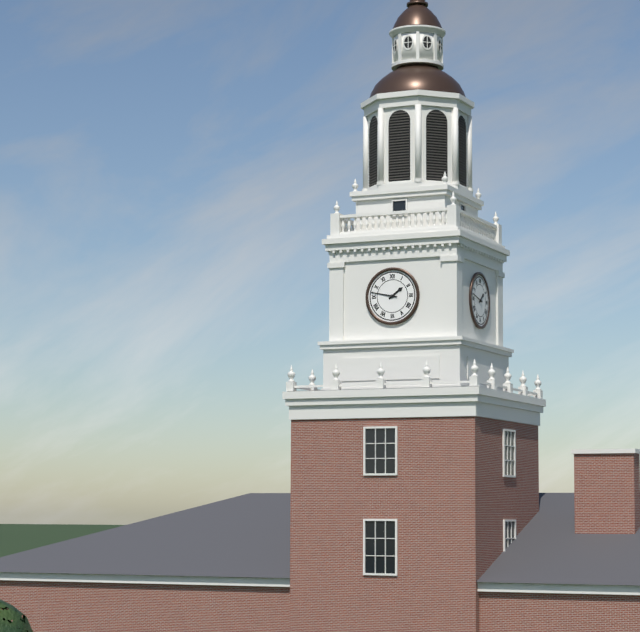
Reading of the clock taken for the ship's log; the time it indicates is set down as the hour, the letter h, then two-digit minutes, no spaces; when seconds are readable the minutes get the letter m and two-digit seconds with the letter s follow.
1h47
